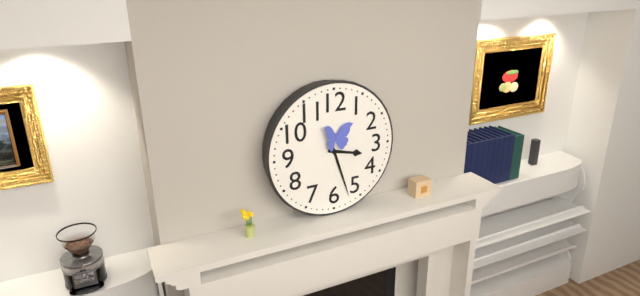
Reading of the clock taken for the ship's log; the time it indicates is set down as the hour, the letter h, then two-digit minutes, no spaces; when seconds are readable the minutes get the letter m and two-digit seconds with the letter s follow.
3h27
